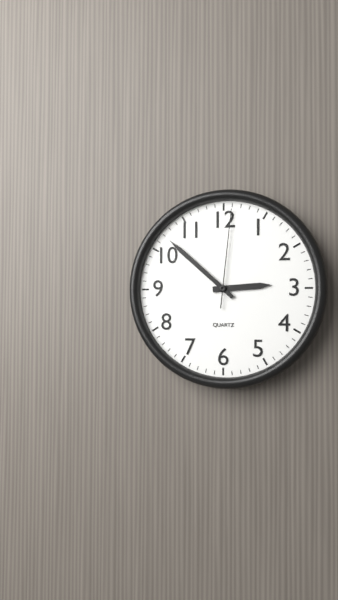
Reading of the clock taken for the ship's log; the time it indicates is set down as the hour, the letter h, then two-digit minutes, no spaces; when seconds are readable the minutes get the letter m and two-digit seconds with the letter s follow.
2h52m01s
